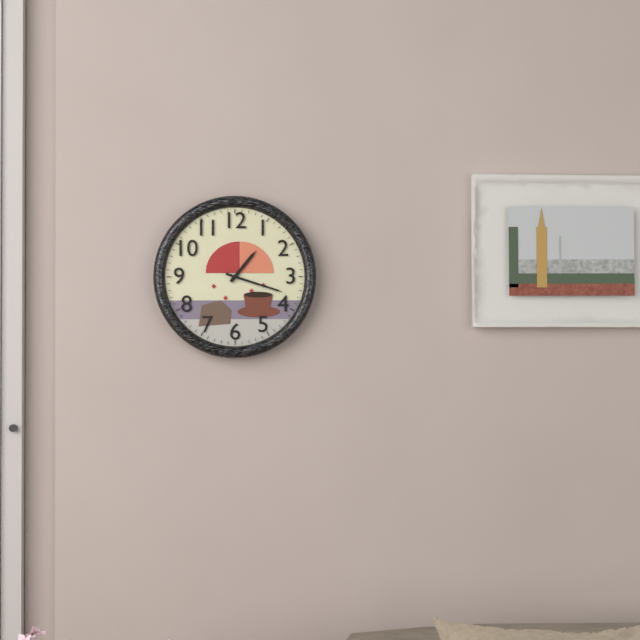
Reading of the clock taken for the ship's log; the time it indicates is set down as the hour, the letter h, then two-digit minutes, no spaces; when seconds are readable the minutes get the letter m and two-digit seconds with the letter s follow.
1h18
